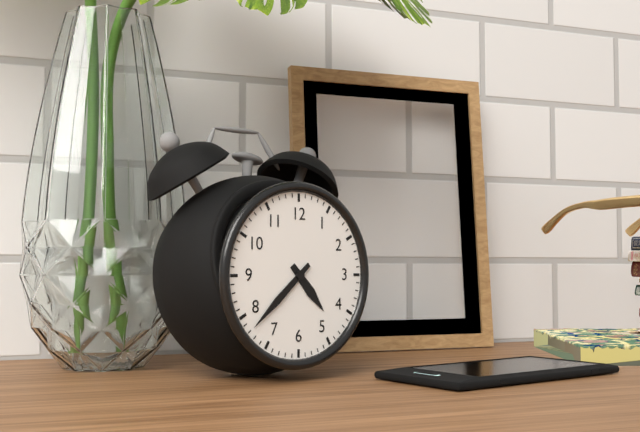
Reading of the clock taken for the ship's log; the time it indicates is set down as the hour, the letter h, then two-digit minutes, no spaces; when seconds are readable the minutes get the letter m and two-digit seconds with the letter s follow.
4h38
